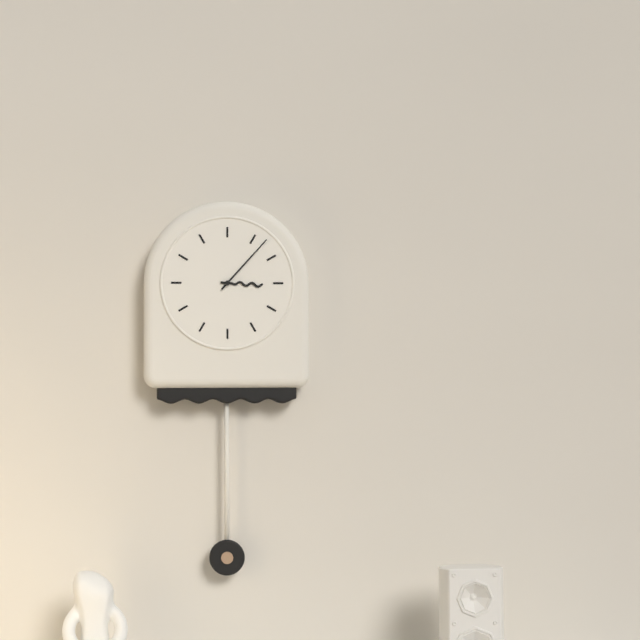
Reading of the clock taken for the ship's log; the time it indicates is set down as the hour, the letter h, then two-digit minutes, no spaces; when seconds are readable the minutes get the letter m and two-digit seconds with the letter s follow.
3h07
